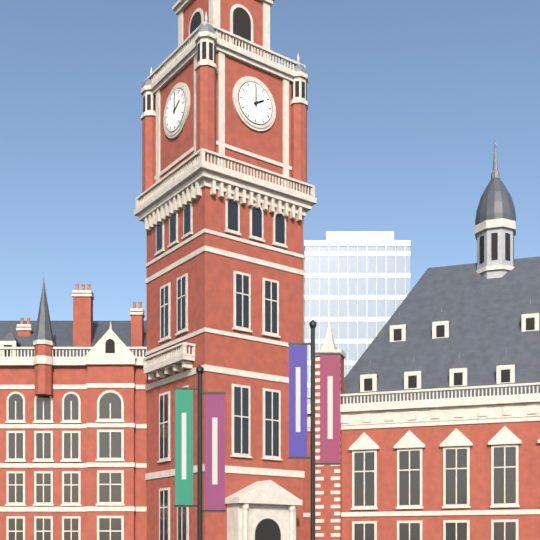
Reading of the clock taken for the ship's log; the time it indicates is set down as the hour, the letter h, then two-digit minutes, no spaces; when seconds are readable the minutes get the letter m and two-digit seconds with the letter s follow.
2h00
